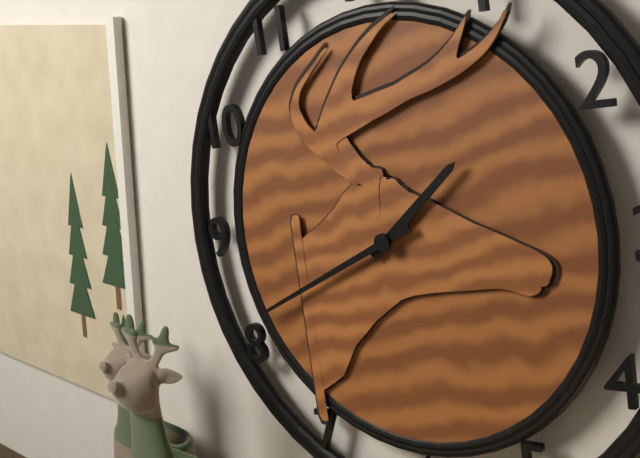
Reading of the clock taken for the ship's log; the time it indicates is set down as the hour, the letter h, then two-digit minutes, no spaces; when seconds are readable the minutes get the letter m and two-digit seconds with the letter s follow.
1h41
